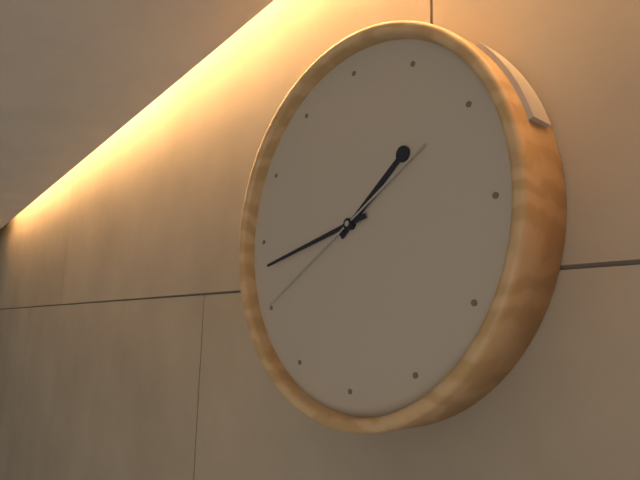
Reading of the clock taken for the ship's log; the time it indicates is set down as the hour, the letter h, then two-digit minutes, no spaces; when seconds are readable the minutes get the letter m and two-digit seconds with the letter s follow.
1h43m40s
